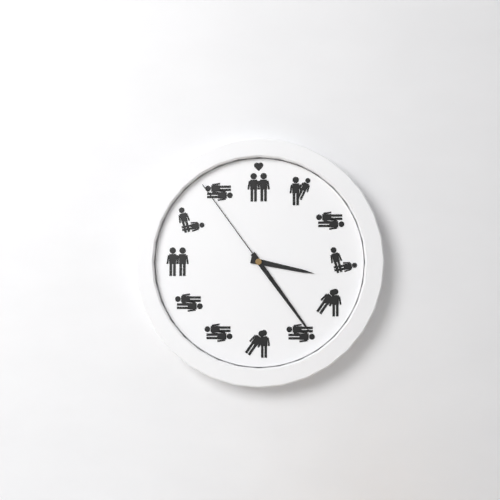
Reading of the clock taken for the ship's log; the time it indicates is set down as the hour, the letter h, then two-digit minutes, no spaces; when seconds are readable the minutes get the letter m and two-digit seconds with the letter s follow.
3h24m54s
